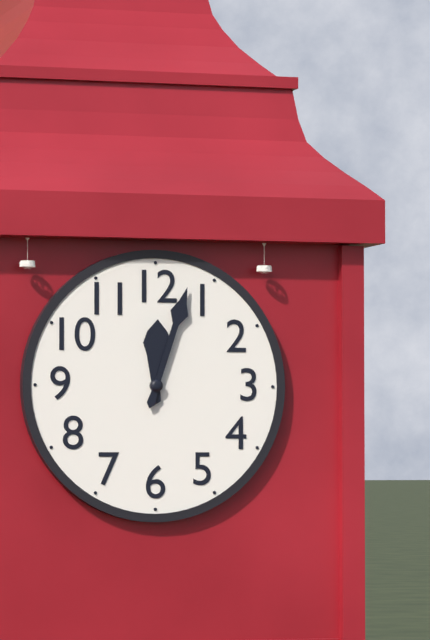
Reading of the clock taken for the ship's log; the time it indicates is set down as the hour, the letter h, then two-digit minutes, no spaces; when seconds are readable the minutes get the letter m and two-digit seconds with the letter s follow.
12h03
